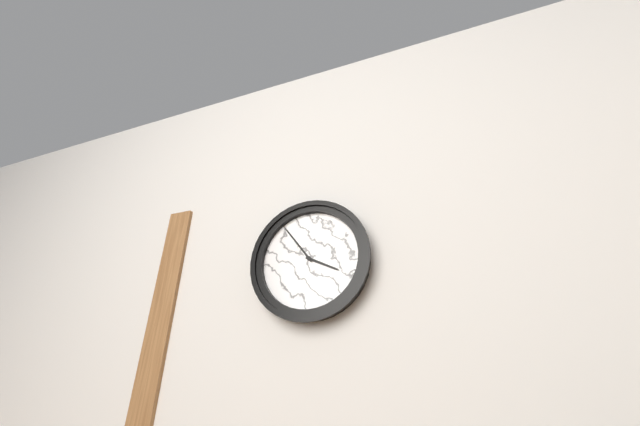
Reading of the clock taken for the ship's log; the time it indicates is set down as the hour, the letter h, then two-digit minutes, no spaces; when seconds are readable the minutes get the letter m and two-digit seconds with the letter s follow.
3h54
